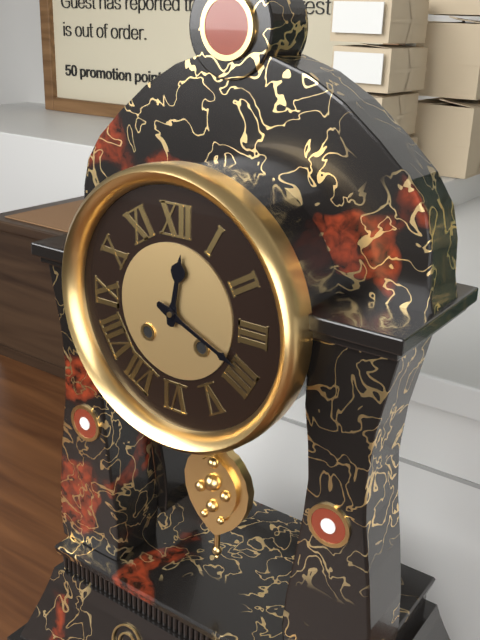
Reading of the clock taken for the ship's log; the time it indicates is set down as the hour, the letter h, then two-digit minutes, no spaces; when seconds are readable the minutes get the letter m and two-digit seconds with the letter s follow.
12h19
